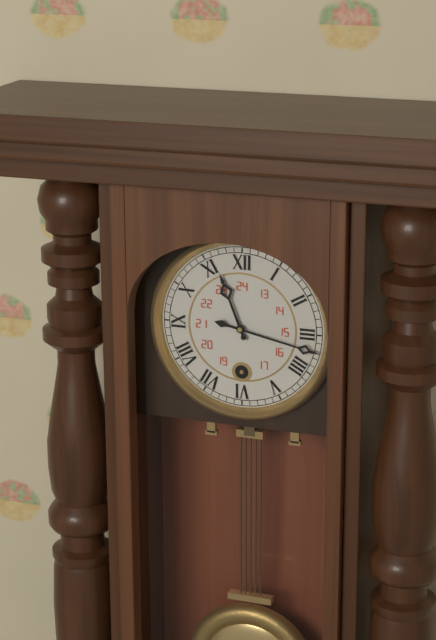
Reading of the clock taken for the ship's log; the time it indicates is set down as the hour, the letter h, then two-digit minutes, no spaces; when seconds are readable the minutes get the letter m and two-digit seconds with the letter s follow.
11h17
